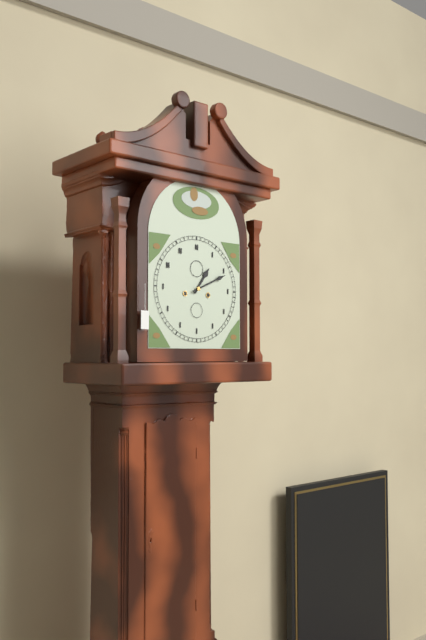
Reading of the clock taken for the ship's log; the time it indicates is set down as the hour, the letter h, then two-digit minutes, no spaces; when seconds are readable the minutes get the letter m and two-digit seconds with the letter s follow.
1h11
